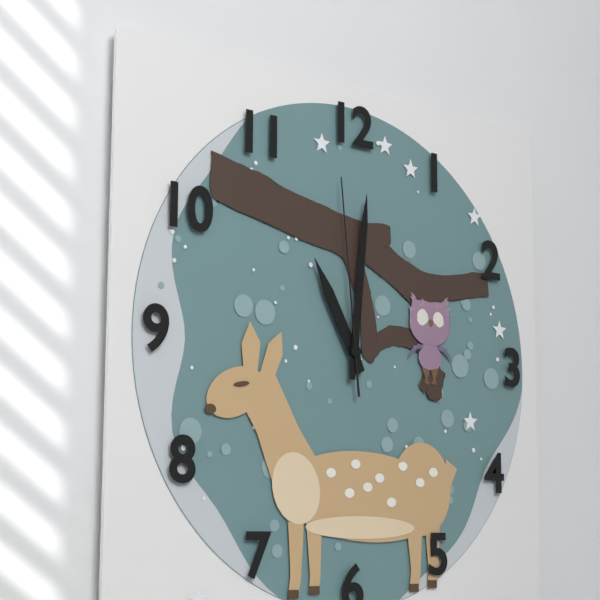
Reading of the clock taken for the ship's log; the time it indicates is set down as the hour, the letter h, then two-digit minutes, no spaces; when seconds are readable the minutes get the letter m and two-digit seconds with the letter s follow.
11h01m59s
